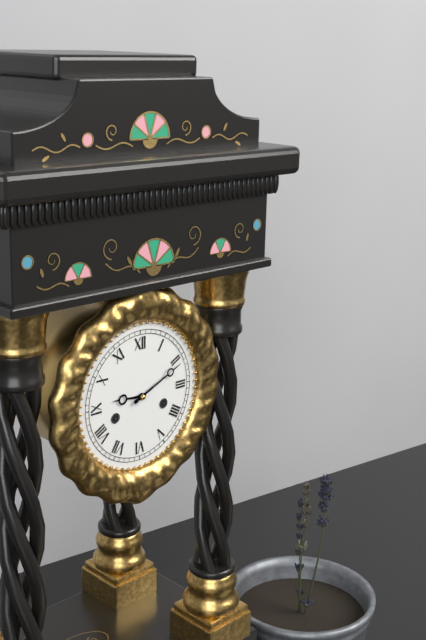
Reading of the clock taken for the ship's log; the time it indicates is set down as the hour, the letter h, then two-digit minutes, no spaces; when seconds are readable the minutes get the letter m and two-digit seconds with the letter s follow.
9h11
